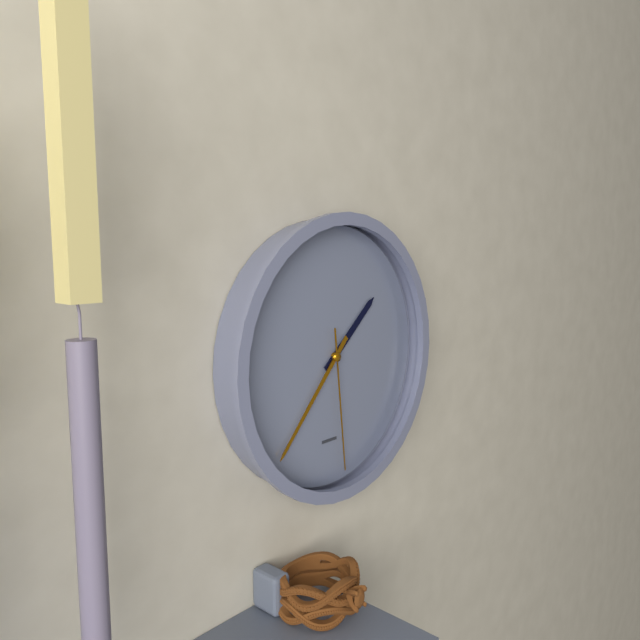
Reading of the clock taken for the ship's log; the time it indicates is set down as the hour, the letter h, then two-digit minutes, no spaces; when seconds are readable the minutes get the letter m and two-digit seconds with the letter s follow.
1h37m29s
